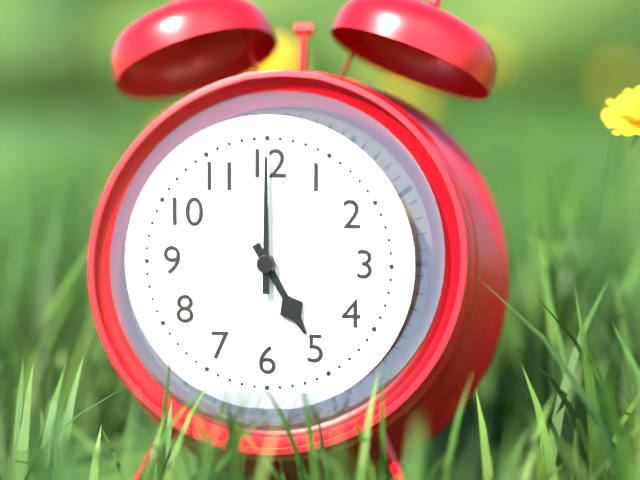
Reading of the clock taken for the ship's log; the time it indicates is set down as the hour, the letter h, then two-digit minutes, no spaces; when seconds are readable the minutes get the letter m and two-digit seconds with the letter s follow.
5h00
